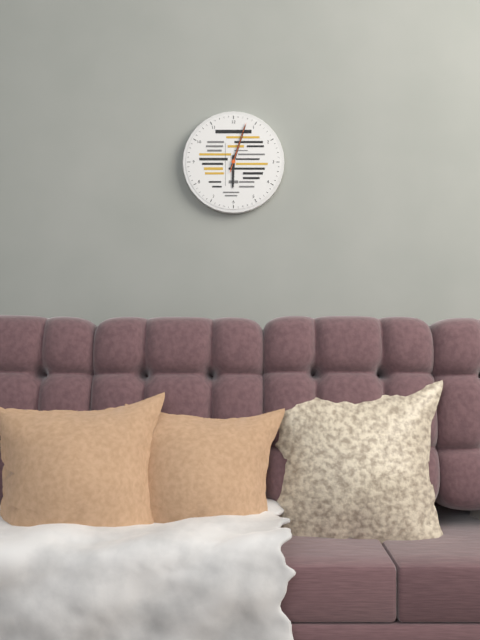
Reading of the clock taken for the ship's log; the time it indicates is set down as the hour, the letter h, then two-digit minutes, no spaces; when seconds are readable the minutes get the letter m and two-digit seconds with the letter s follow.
6h03m03s
